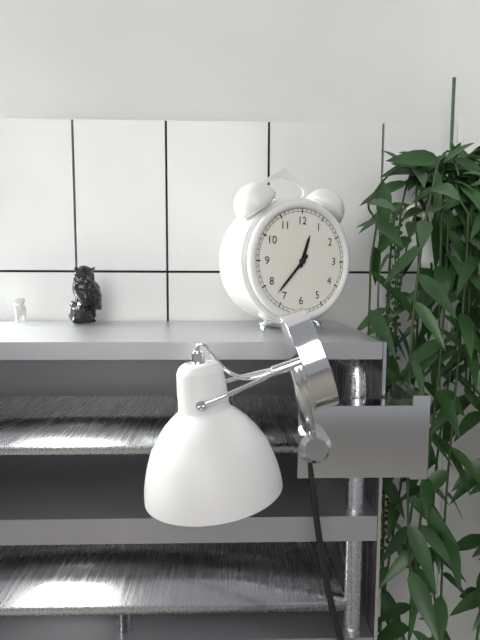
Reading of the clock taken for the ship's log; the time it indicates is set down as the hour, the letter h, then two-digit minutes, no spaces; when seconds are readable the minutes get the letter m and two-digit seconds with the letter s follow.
12h37
